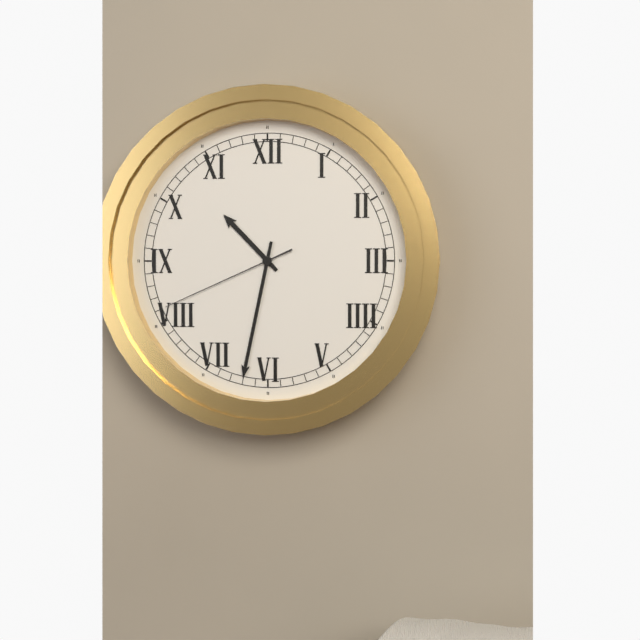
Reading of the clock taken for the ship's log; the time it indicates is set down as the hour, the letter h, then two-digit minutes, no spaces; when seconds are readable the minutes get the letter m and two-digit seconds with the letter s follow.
10h32m41s
